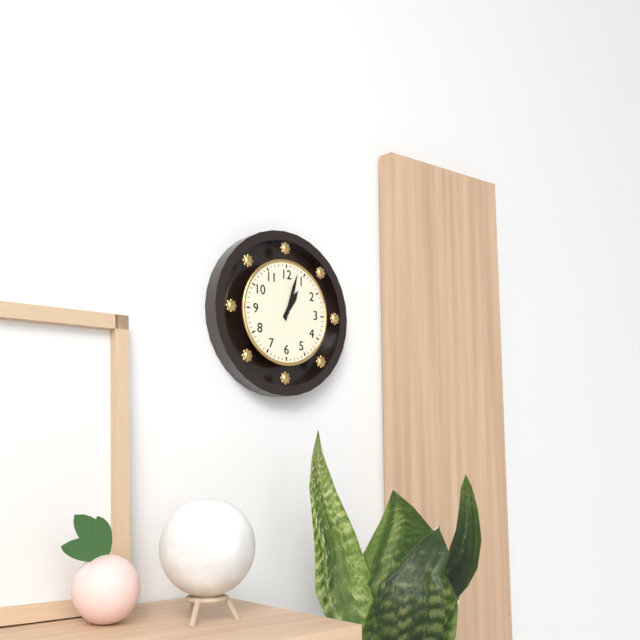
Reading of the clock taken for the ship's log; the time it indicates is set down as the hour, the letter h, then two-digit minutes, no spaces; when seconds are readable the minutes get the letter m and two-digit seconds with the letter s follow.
1h03
